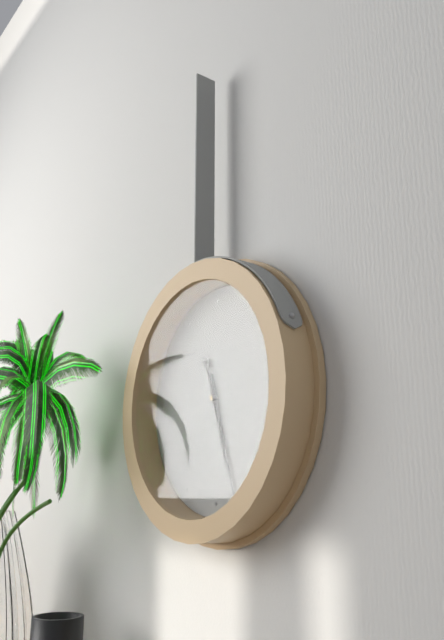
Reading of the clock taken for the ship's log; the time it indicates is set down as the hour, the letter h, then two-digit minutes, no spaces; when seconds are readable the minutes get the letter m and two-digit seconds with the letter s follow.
5h27m27s
